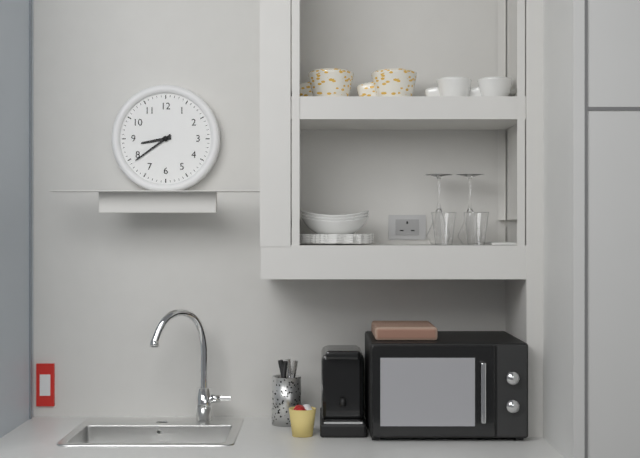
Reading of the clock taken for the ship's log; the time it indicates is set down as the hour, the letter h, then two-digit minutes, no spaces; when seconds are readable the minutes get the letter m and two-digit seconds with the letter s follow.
8h39
